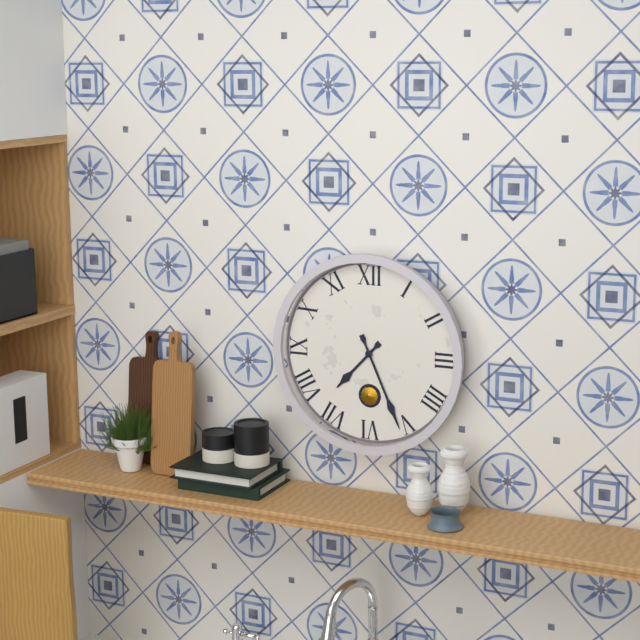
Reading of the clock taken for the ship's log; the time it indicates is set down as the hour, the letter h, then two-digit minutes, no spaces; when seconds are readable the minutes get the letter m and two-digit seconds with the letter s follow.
7h26
